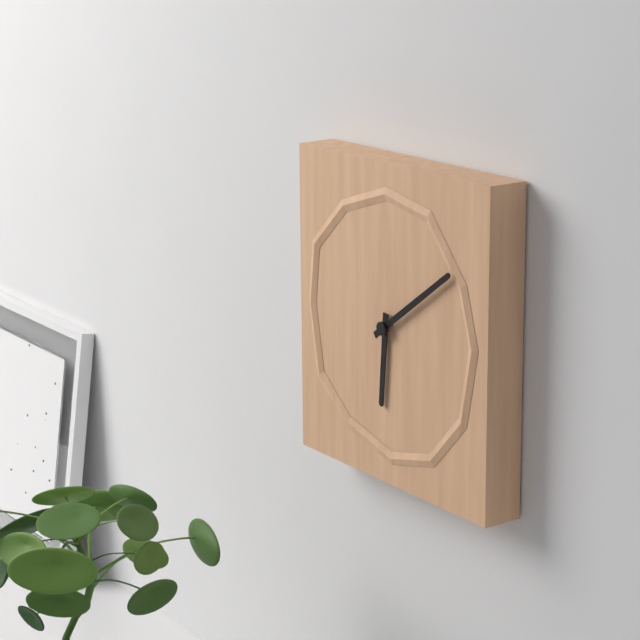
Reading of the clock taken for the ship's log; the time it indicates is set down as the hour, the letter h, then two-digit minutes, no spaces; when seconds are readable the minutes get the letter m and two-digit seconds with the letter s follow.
6h09
